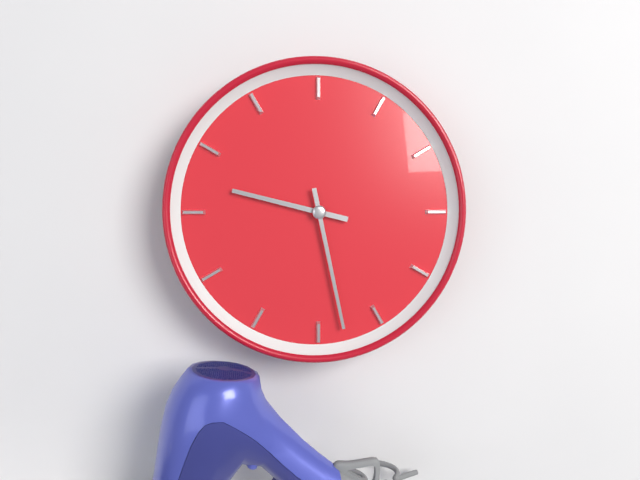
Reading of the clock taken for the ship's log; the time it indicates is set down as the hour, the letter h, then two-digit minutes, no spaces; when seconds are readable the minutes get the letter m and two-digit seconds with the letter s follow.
9h28
